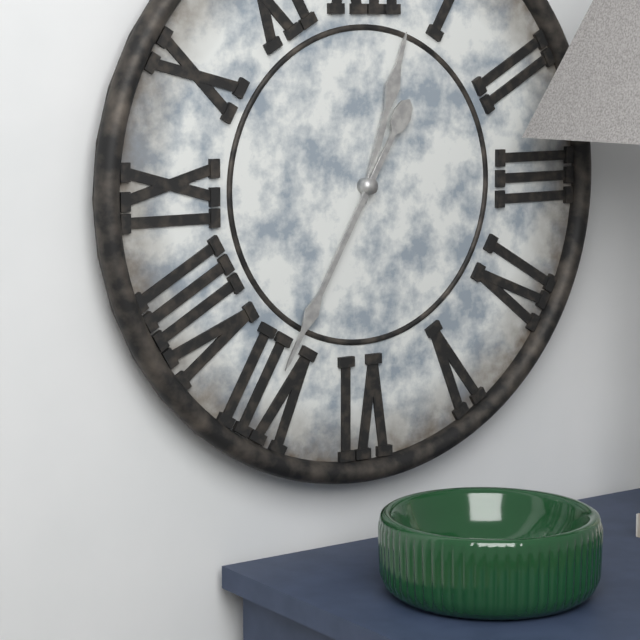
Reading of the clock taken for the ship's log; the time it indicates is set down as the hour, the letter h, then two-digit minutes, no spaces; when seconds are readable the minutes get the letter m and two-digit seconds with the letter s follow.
12h35
